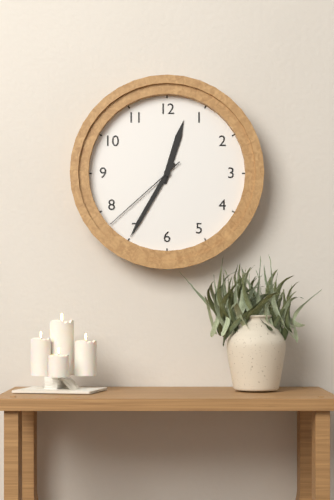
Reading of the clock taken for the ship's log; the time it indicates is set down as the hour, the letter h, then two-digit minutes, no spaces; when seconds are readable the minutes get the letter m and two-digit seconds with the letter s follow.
12h35m38s
